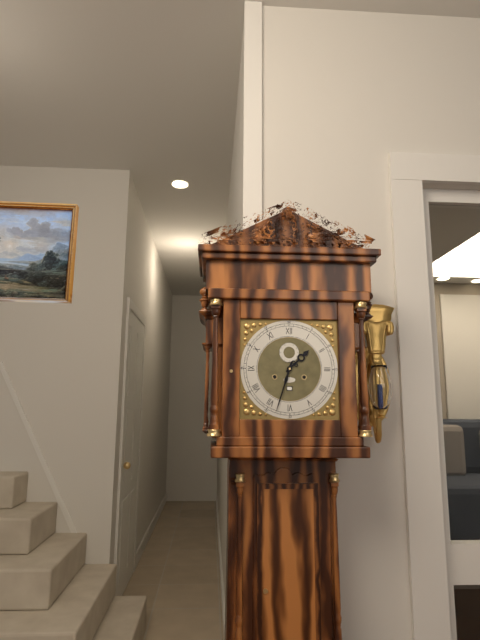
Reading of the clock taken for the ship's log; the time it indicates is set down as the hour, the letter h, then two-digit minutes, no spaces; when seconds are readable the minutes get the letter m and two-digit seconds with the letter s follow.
1h33
